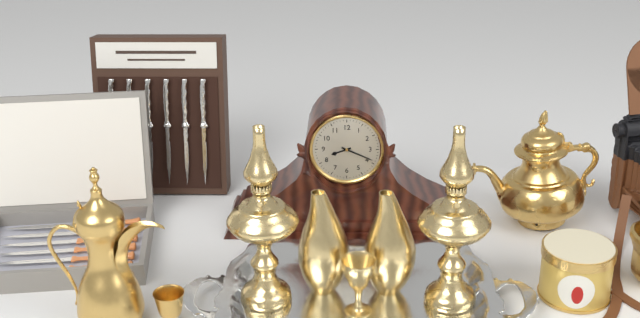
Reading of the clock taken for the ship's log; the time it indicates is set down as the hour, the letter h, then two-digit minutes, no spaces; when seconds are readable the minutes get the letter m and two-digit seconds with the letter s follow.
8h19
